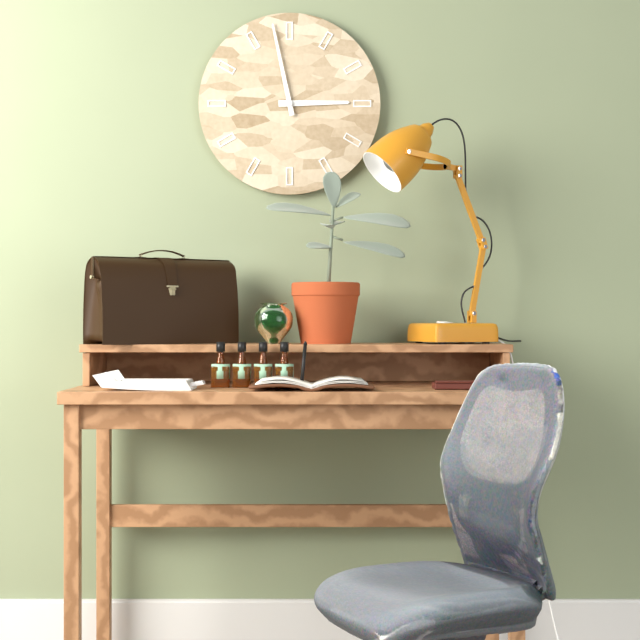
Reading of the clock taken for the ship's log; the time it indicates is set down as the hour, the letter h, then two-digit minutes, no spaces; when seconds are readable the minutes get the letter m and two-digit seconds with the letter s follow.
2h58
